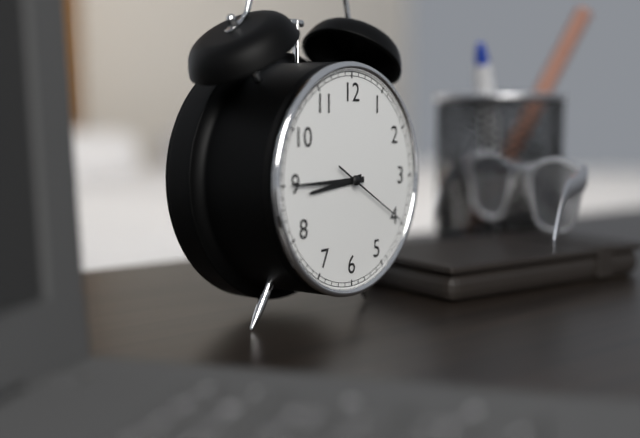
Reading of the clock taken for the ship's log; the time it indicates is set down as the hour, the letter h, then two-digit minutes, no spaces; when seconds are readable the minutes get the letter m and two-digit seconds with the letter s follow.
8h45m20s
